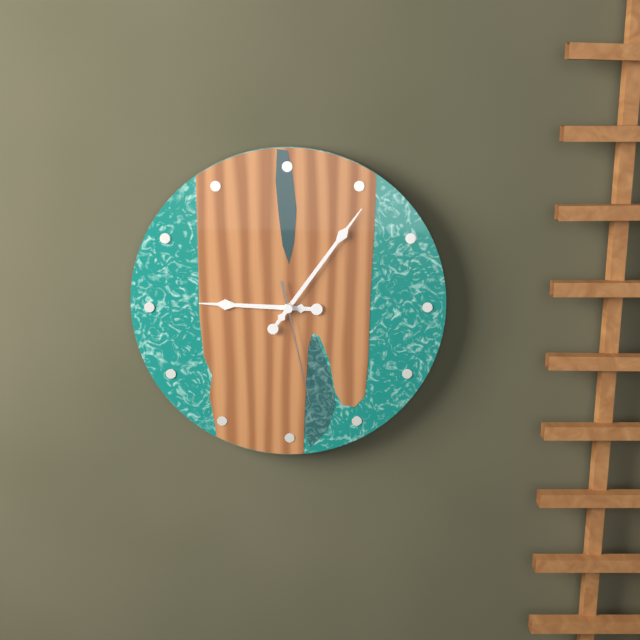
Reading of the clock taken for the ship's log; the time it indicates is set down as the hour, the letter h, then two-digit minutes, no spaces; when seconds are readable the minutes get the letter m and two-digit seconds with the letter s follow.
9h06m28s
